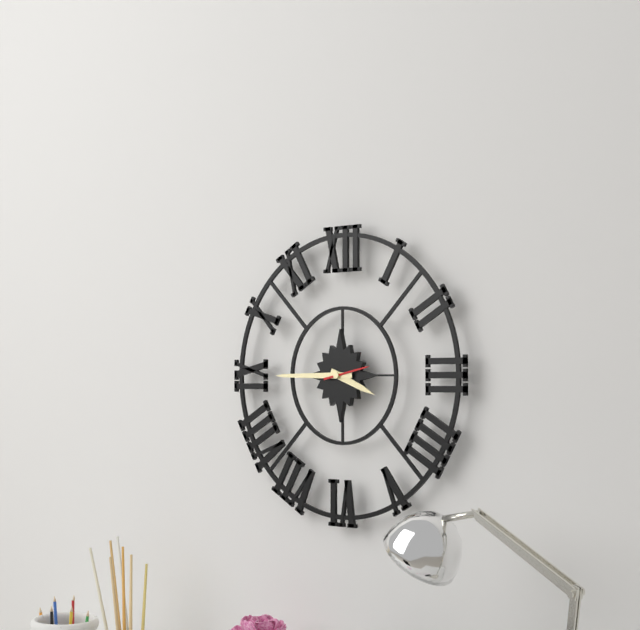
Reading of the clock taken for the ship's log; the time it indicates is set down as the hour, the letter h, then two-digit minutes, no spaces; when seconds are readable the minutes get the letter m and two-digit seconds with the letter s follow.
3h45
